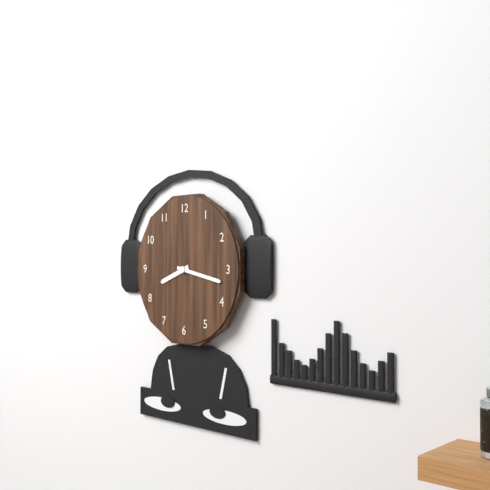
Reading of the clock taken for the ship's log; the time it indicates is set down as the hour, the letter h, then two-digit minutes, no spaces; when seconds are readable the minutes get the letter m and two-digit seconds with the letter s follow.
8h17
